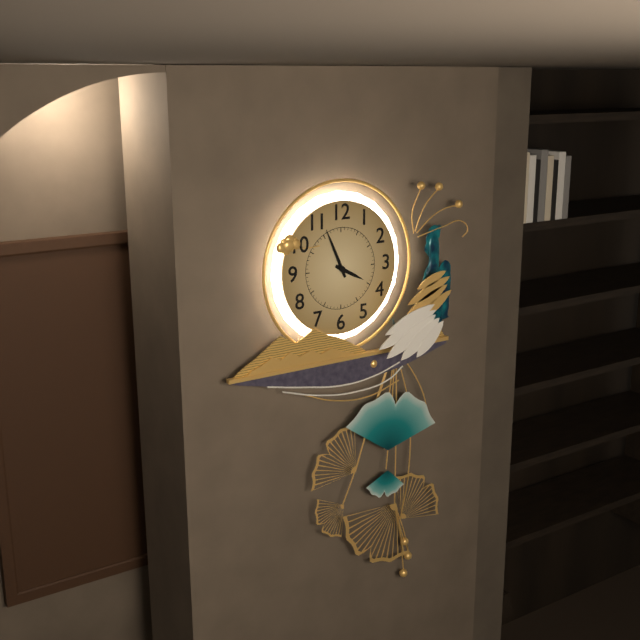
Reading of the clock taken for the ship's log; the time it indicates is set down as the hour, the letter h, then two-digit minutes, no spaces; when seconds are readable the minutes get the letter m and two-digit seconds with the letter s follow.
3h56
